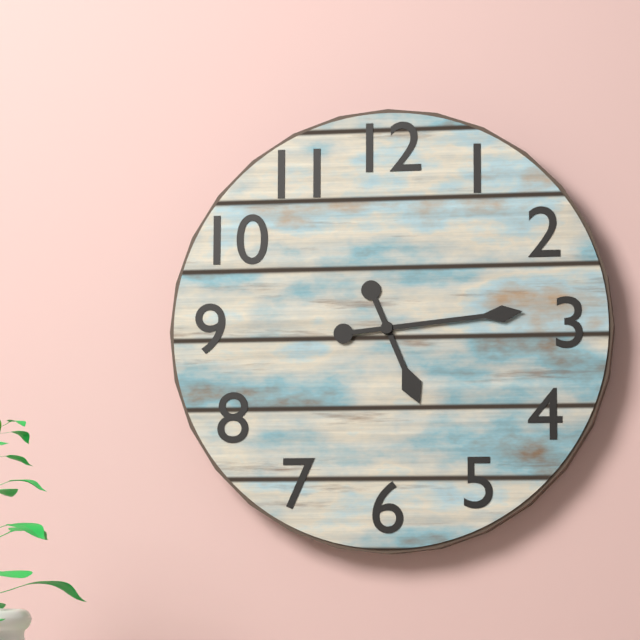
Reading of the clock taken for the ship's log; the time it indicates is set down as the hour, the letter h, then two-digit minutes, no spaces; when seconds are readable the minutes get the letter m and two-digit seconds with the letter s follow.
5h14
